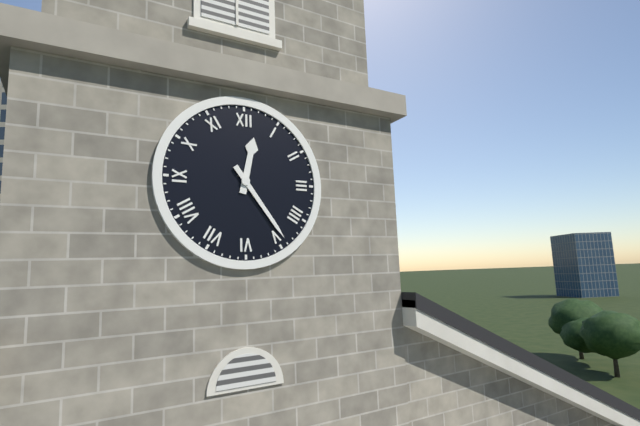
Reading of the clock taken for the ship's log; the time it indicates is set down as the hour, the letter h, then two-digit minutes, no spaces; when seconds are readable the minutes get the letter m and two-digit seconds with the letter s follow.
12h24
